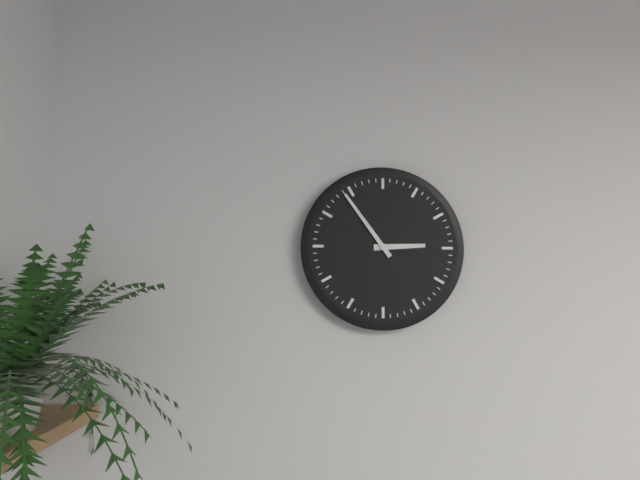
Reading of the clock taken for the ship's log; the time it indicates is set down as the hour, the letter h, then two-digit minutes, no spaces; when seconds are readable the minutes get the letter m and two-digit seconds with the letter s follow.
2h54
